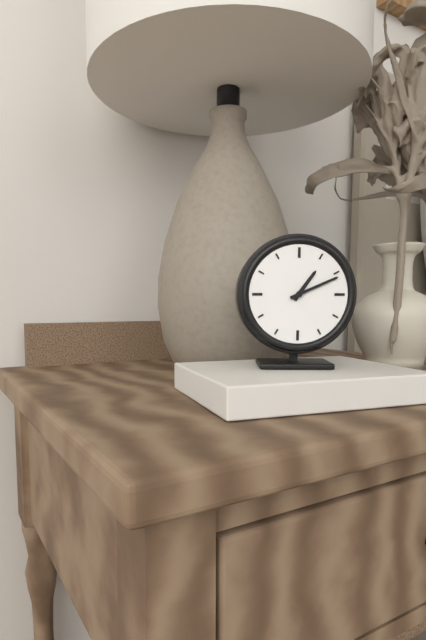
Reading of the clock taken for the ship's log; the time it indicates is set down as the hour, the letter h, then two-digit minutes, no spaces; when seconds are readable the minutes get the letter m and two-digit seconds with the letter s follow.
1h11
